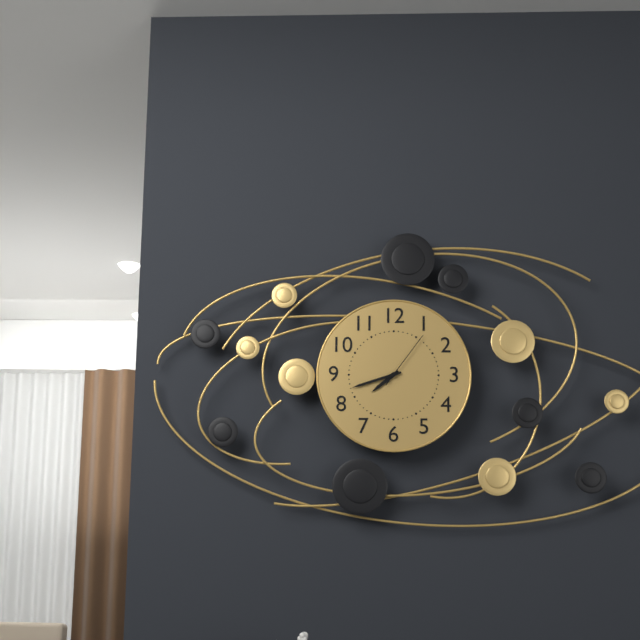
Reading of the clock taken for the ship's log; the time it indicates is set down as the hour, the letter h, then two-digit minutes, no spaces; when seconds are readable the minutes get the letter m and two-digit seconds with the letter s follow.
7h42m06s
